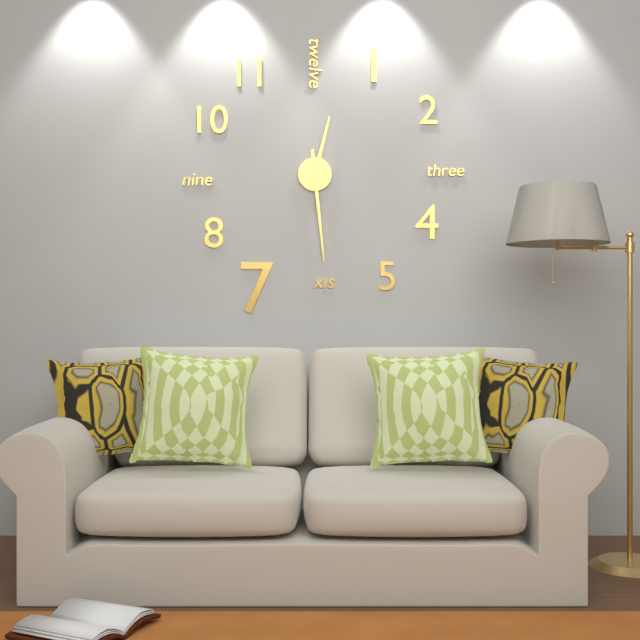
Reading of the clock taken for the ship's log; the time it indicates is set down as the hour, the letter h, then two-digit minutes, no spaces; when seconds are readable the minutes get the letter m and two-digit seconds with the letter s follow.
12h29
